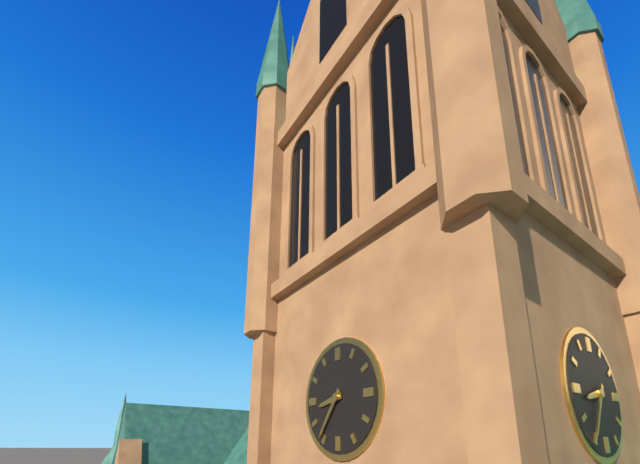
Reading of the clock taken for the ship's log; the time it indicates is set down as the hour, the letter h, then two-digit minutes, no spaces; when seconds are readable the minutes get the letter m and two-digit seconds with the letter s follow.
8h36
